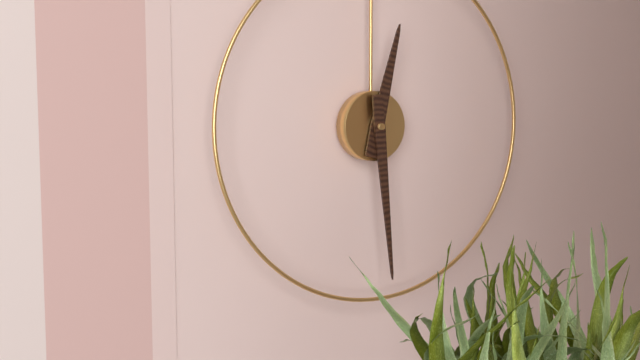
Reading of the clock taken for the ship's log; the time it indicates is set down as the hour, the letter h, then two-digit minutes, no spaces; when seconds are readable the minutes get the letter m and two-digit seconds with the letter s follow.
12h29
